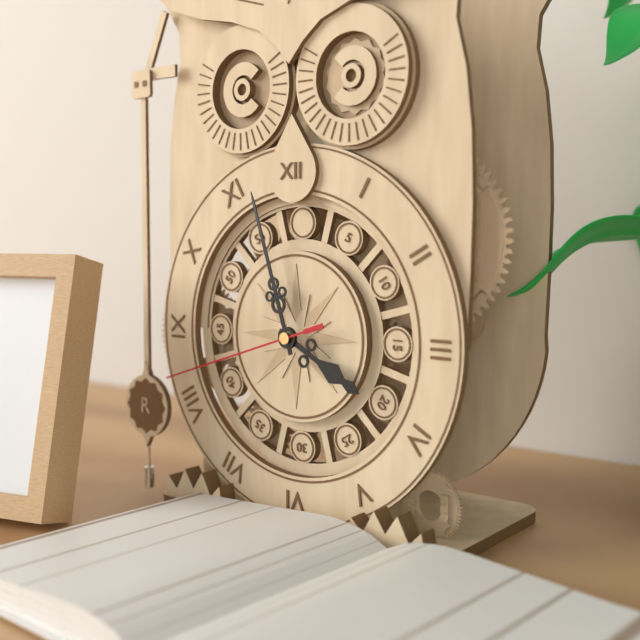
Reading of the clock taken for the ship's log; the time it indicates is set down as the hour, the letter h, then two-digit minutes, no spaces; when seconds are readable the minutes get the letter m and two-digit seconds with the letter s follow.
3h57m42s
